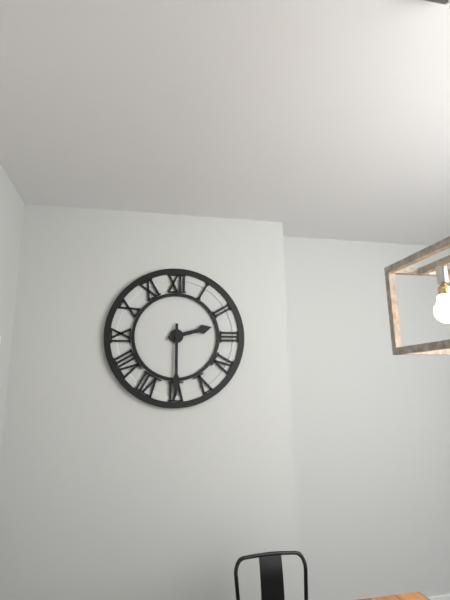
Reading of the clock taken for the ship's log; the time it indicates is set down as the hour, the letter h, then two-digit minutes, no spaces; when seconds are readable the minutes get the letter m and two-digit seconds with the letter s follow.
2h30
